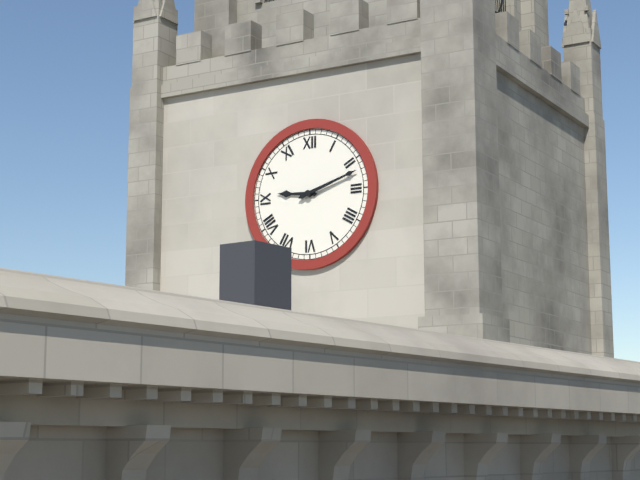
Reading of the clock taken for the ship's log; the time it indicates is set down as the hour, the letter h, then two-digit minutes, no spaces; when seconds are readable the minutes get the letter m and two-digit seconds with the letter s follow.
9h12
